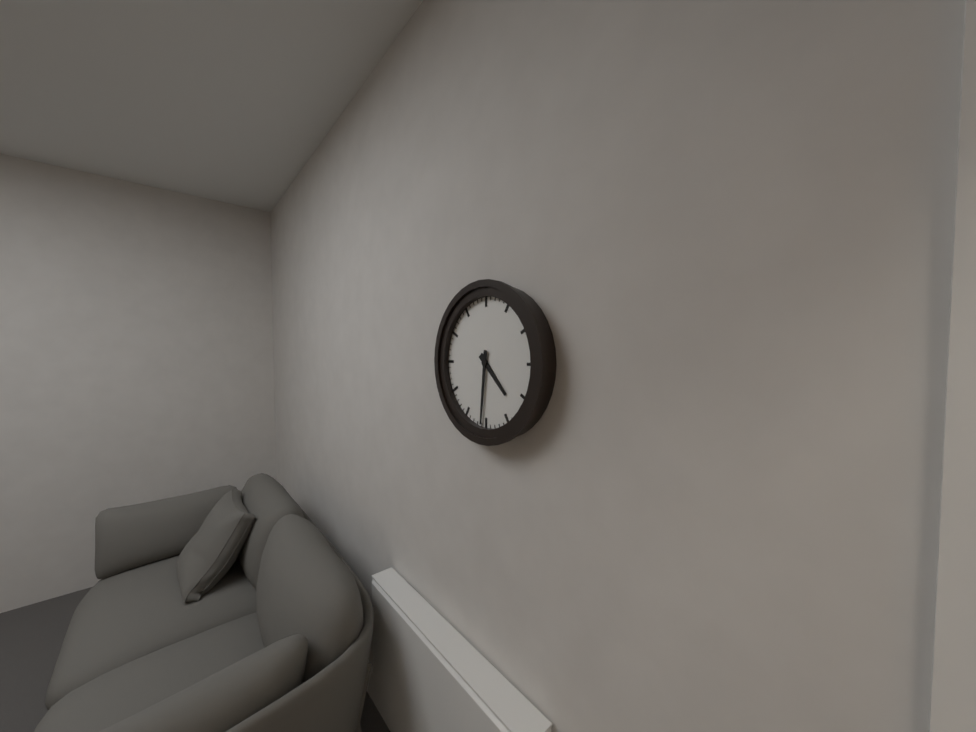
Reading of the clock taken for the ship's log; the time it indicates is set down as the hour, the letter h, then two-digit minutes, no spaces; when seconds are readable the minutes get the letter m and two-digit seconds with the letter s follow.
4h31
